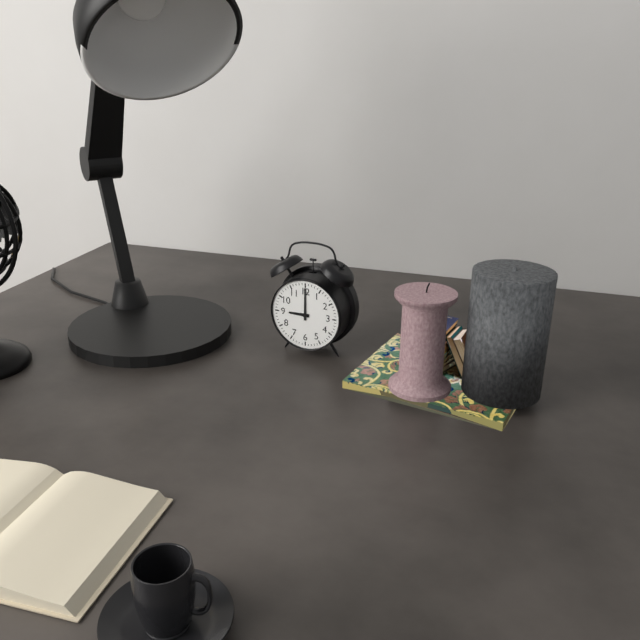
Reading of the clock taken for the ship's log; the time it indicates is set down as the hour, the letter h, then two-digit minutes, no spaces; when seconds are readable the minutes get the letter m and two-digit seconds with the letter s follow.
9h00
